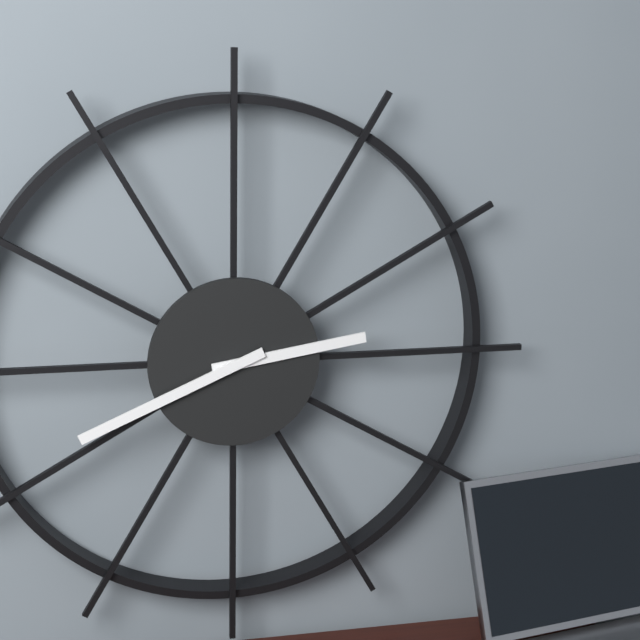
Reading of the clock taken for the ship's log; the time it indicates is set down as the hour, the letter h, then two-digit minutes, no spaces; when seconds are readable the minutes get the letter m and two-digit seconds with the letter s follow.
2h41
